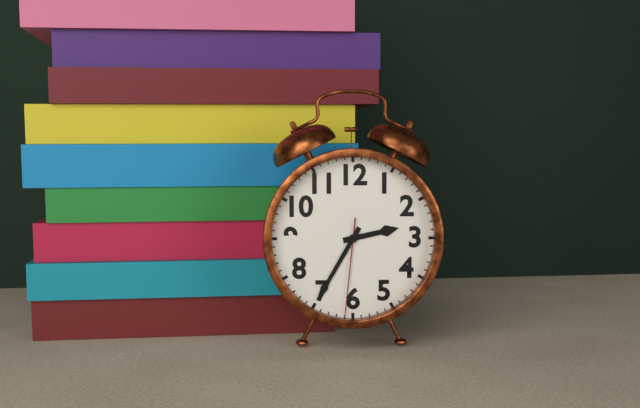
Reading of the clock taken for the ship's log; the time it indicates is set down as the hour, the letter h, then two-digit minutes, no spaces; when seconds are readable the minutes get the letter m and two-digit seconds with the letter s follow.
2h35m31s
